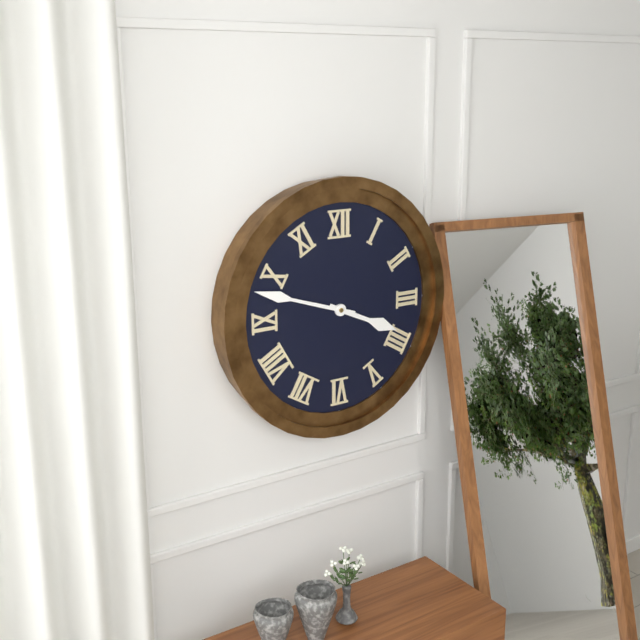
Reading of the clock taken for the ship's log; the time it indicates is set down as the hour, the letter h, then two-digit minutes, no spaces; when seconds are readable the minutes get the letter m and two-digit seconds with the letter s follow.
3h48
